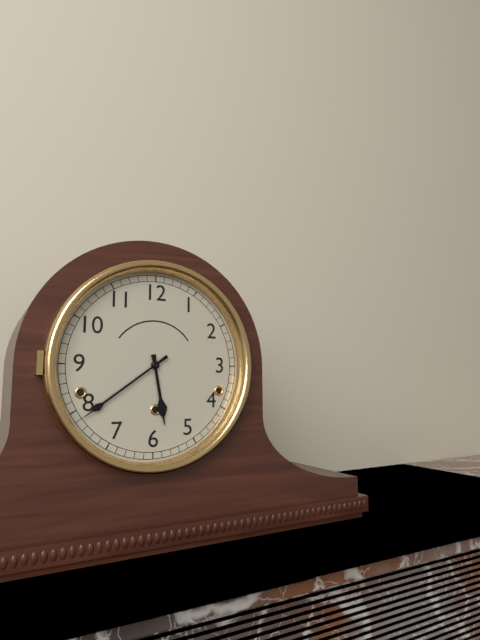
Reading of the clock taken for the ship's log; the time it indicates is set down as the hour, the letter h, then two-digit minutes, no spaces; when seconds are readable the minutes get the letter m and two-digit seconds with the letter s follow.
5h39
